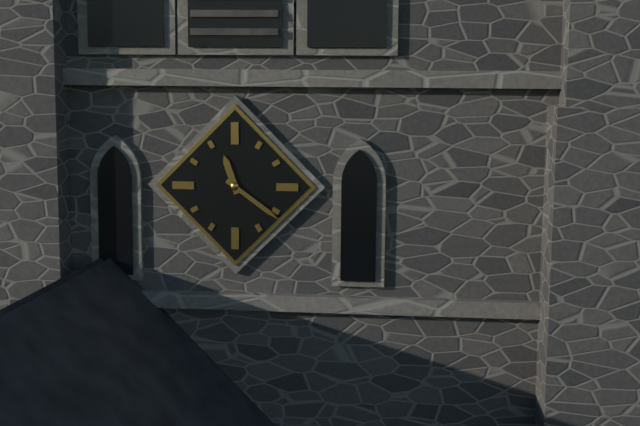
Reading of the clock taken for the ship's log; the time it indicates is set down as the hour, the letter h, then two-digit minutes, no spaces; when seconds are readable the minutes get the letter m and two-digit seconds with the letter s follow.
11h21
